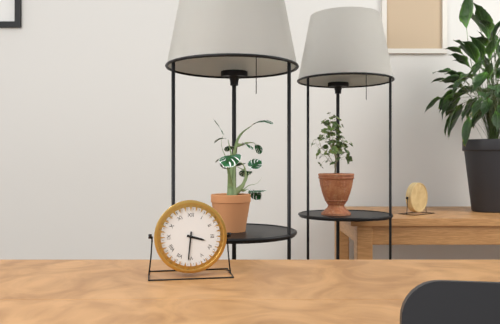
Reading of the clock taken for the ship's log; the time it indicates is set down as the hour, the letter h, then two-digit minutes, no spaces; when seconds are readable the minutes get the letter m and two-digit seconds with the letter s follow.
3h31
